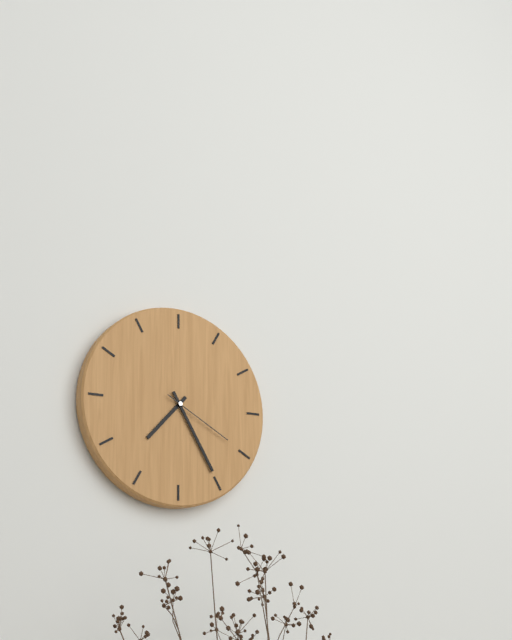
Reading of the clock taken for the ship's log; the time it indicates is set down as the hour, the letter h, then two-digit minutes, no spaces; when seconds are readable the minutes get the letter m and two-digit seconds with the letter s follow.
7h25m20s
